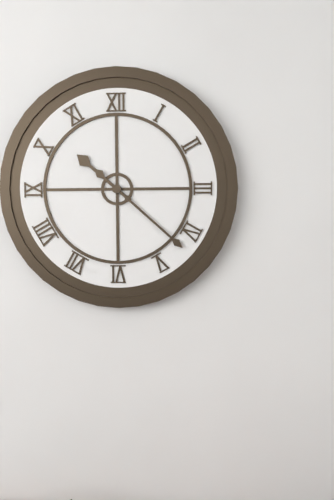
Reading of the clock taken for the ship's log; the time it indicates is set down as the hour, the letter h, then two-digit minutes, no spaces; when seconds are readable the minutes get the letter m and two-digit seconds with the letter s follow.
10h22
